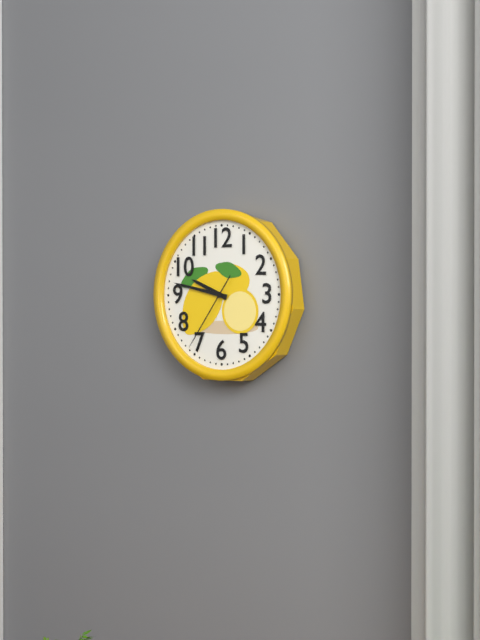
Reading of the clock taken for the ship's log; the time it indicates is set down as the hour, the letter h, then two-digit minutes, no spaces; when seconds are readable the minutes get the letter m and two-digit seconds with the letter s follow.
9h47m36s
